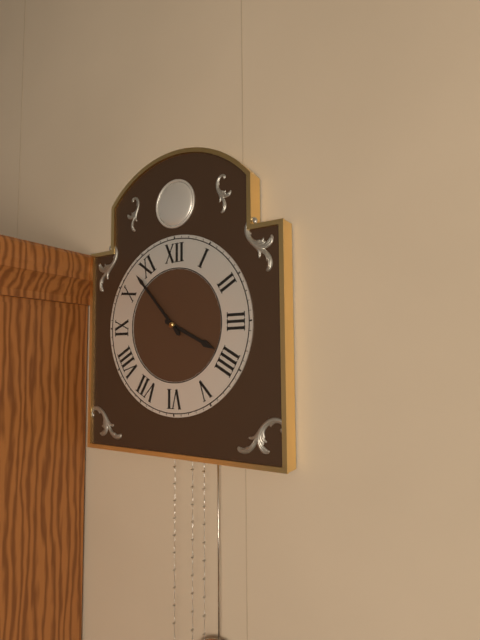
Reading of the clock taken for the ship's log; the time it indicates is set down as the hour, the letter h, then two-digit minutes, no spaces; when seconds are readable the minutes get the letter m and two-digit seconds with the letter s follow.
3h53
